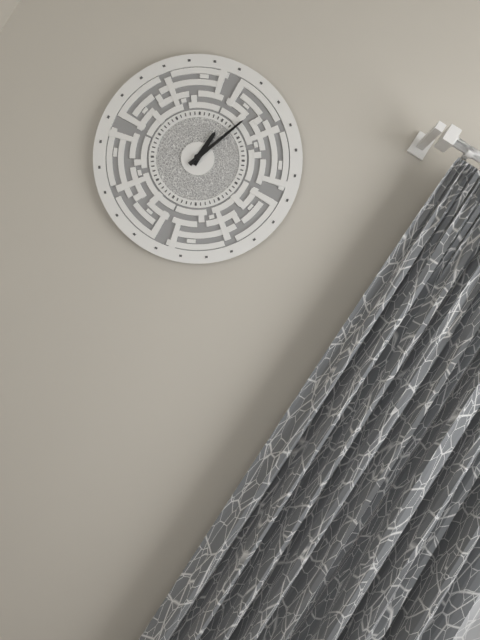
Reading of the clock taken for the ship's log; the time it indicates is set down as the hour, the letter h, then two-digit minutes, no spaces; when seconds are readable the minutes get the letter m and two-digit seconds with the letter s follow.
12h03
